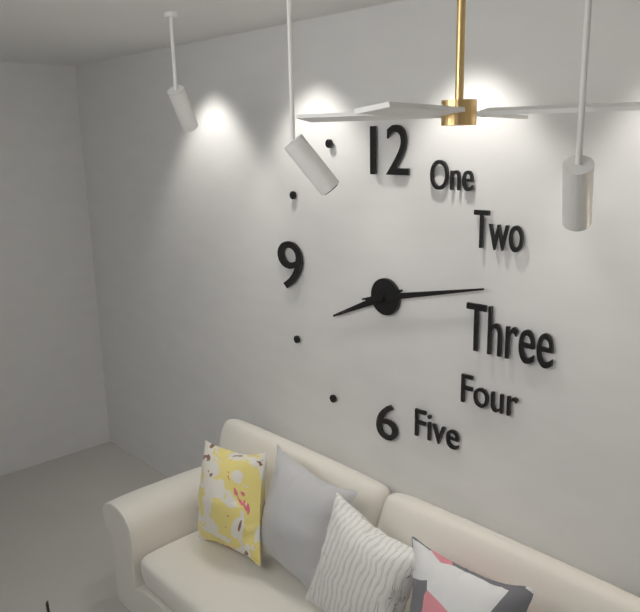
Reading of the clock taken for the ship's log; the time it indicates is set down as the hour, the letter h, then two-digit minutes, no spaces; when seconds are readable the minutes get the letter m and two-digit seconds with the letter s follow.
8h13
